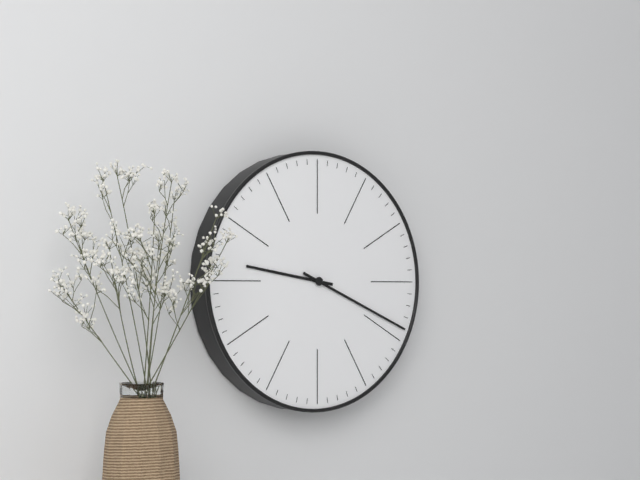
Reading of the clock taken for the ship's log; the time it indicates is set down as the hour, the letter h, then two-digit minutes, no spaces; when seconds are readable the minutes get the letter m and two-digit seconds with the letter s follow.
9h19
